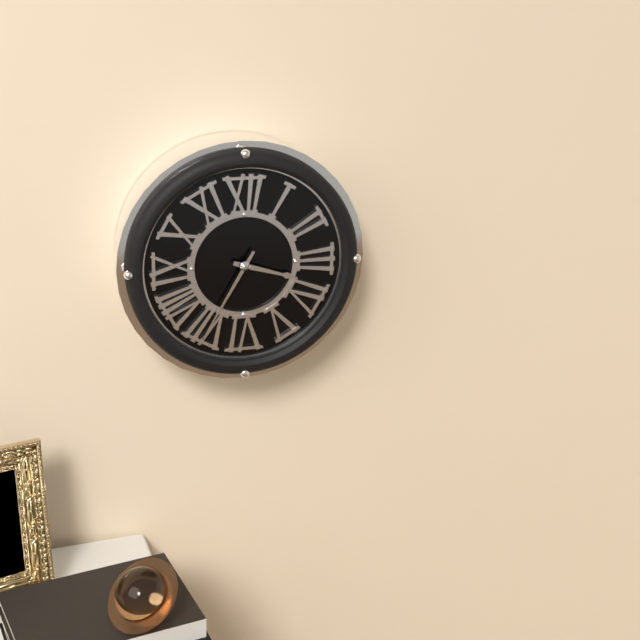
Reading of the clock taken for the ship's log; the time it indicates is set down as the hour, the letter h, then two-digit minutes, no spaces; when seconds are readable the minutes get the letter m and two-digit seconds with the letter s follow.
3h35
